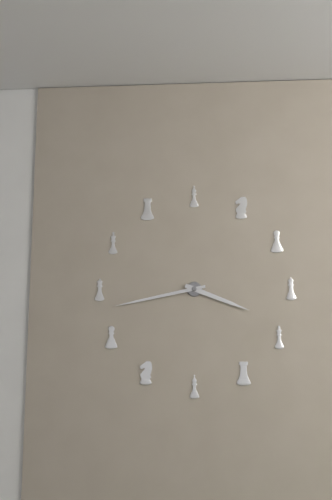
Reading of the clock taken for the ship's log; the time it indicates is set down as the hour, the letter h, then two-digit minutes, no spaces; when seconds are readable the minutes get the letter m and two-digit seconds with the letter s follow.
3h43
